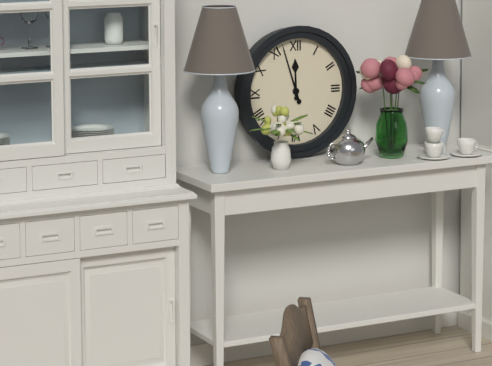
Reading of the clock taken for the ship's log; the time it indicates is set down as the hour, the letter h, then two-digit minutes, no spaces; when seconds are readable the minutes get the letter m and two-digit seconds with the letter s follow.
11h57
